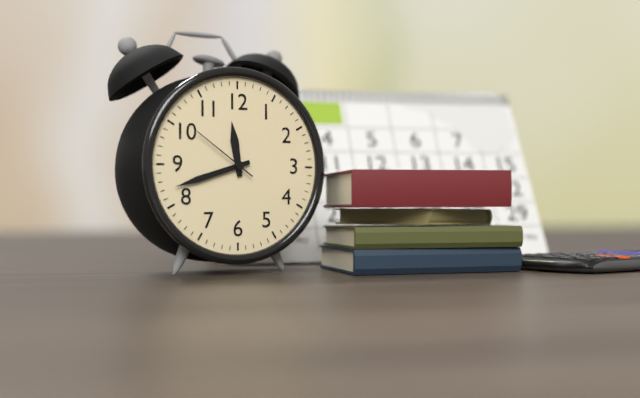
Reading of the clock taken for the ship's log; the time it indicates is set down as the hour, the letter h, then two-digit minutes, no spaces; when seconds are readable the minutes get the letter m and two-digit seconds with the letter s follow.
11h42m51s
